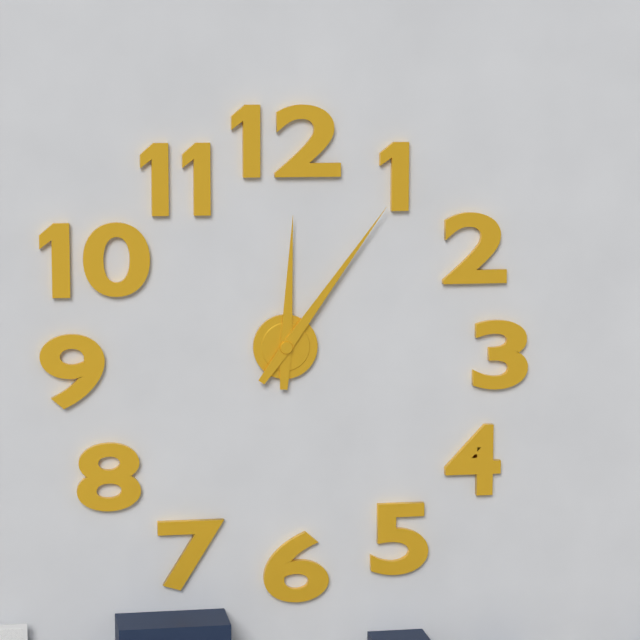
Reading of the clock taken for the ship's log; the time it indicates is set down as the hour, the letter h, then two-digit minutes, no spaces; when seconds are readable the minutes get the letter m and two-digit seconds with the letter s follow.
12h06
